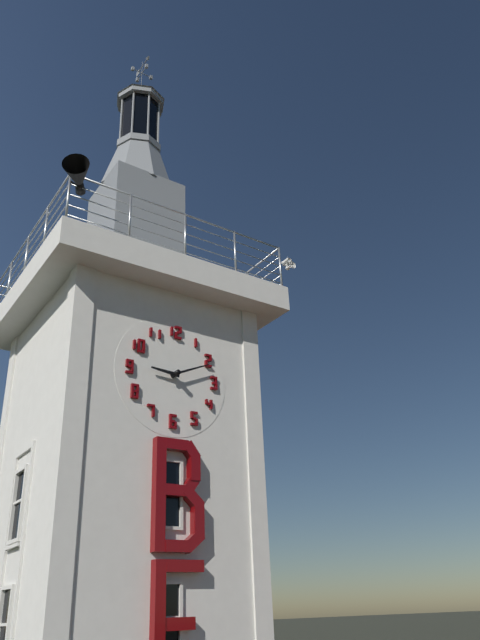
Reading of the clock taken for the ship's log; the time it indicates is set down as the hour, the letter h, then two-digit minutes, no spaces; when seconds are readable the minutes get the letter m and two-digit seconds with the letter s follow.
9h11
